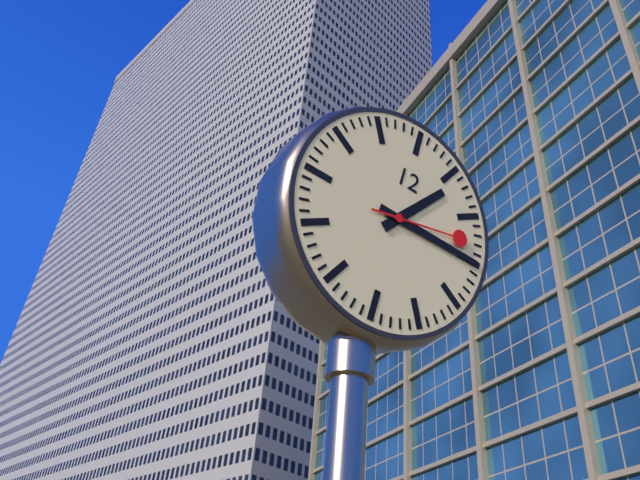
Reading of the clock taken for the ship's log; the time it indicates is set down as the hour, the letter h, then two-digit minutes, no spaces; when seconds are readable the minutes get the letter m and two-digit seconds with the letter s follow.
1h15m13s
